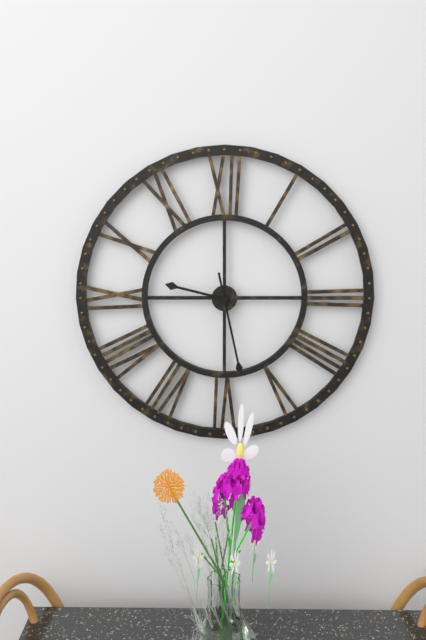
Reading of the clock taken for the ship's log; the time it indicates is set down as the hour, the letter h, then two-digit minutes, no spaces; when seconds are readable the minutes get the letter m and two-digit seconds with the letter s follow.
9h28
